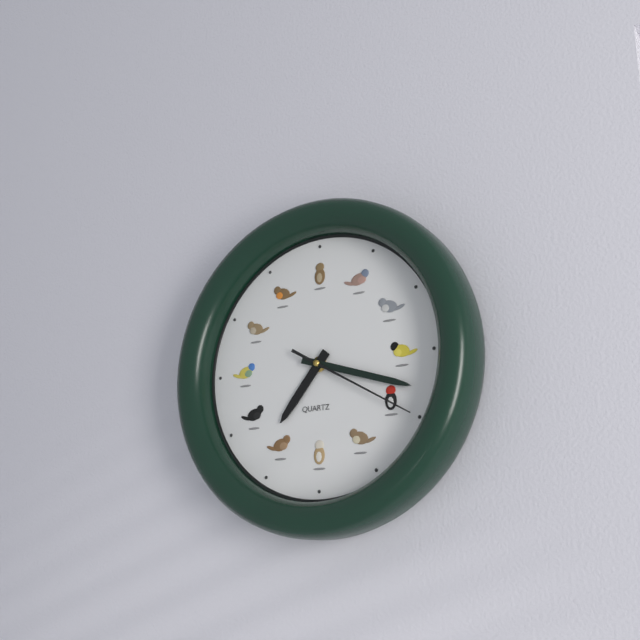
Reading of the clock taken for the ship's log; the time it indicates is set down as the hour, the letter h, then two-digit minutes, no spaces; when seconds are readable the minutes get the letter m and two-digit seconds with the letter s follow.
7h18m20s
